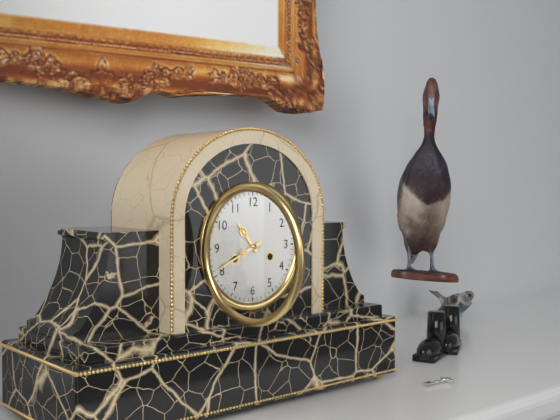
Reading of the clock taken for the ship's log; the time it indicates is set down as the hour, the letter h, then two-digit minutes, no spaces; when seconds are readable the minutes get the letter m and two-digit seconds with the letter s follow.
10h41
